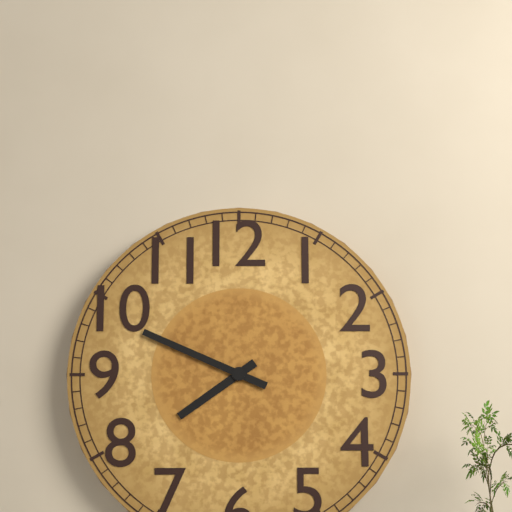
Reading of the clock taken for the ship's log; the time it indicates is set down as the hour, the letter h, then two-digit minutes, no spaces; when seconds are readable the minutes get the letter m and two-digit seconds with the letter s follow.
7h49
